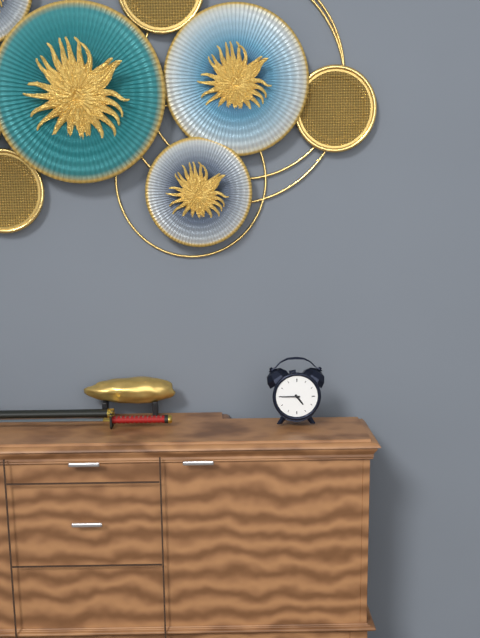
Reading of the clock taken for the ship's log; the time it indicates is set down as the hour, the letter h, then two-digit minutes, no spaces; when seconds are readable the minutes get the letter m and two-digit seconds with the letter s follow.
4h45
